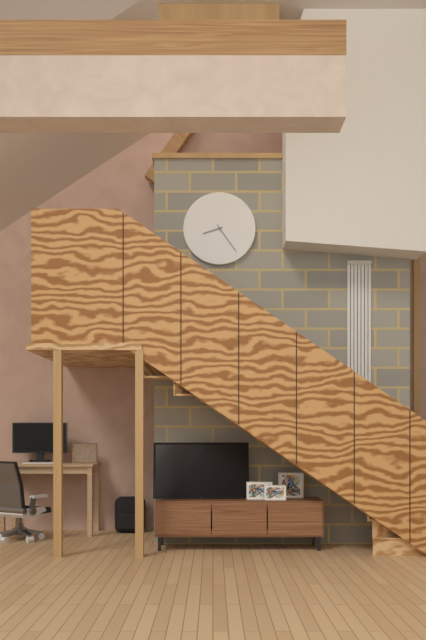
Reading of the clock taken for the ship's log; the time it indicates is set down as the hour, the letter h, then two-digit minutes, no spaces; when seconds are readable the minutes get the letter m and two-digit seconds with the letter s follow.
8h24
